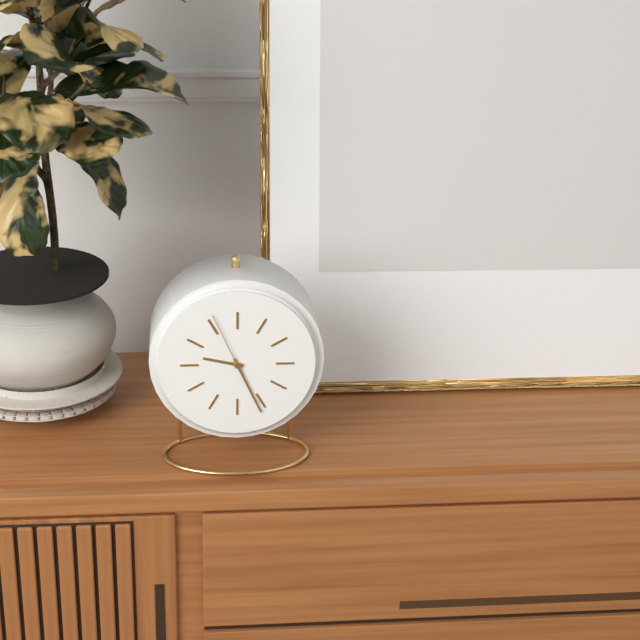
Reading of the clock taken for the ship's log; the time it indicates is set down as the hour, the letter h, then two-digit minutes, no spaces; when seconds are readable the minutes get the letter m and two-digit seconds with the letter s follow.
9h26m56s
